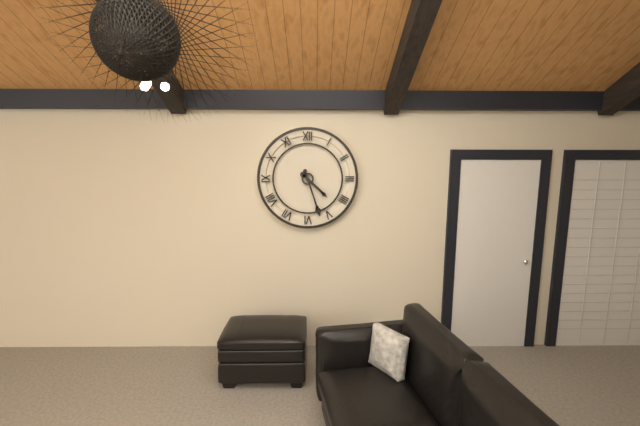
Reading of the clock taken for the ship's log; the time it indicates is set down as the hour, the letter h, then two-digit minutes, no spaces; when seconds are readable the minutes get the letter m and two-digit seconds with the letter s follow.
4h27
